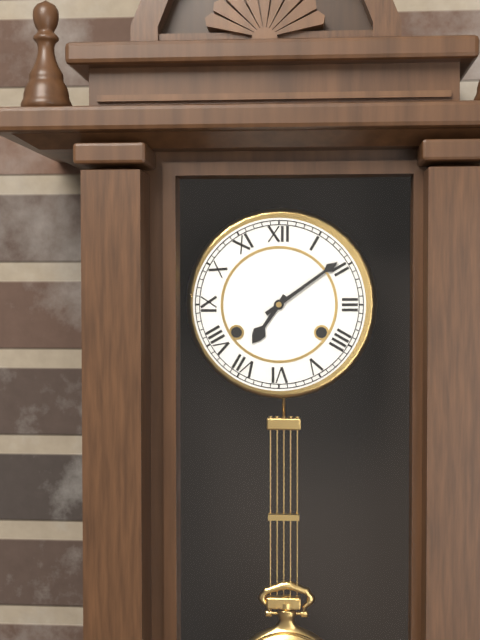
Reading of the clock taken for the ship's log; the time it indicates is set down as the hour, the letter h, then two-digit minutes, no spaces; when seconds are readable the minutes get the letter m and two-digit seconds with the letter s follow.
7h09
